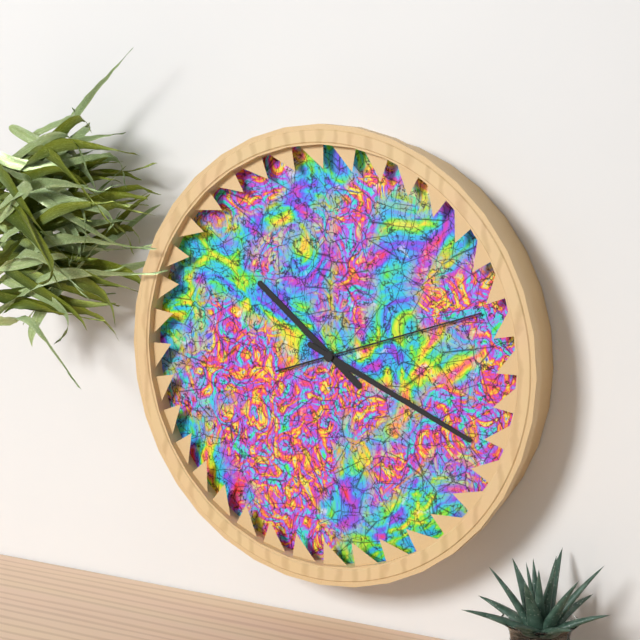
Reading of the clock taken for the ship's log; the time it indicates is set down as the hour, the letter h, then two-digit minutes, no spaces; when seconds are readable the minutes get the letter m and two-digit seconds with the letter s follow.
10h19m12s
